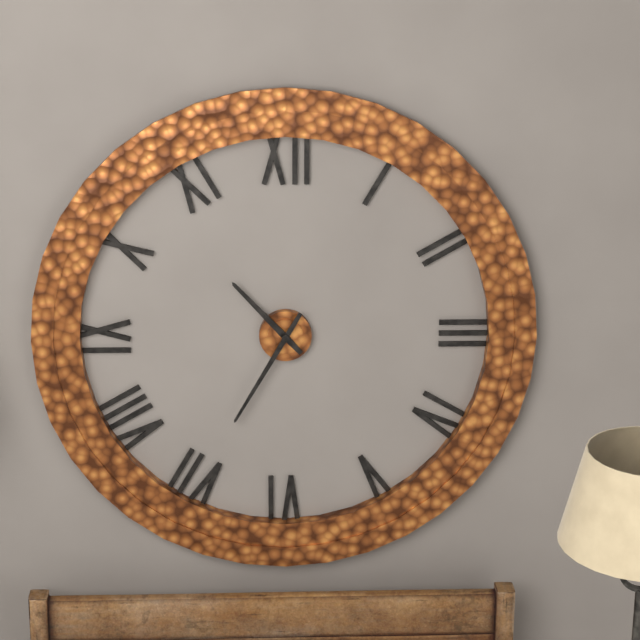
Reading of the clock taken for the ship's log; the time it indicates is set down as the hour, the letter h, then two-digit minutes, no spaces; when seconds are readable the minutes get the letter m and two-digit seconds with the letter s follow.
10h35
